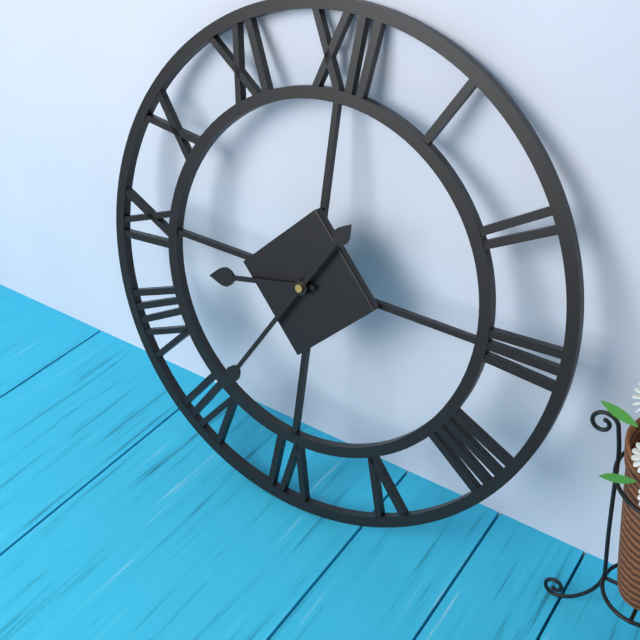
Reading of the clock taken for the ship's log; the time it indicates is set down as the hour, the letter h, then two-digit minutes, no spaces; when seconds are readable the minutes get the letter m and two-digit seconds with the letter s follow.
8h35
